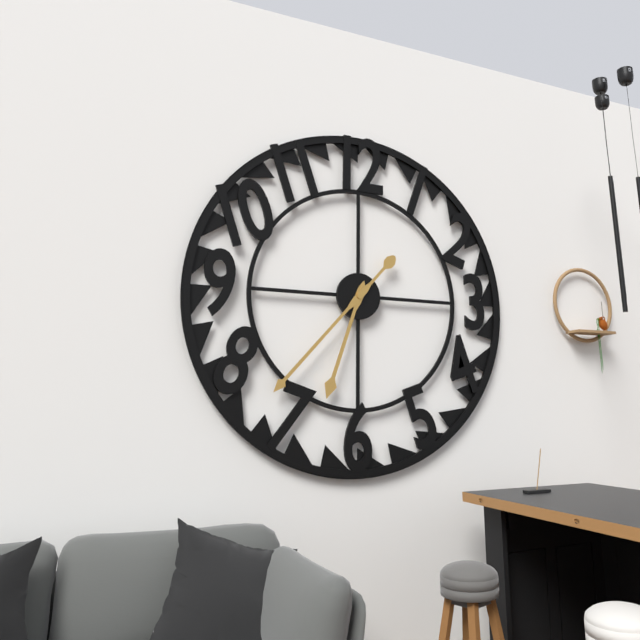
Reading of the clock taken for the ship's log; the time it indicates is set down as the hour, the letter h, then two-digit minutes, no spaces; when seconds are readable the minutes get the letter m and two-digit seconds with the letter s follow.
6h37
